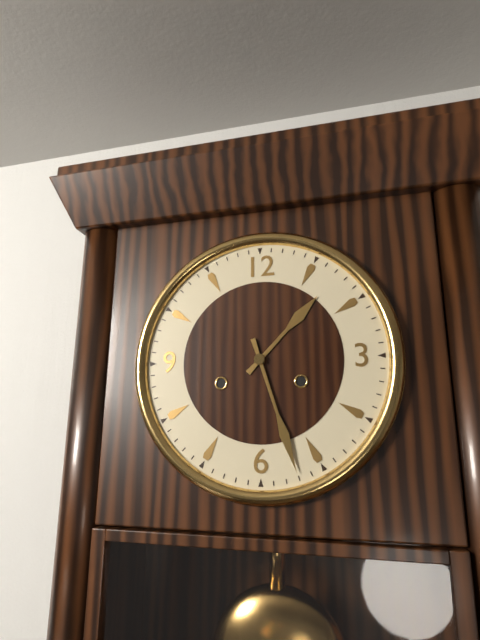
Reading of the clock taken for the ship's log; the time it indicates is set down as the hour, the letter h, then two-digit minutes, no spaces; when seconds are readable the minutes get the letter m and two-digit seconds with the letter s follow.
1h27
